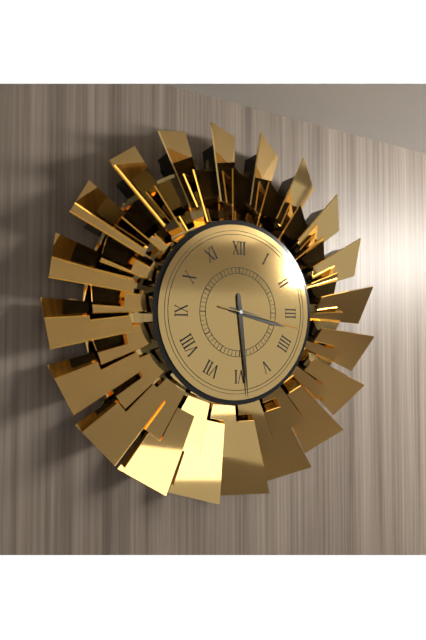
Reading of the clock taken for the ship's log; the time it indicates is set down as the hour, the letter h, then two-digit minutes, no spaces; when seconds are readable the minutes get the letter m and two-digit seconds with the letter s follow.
3h29m17s
